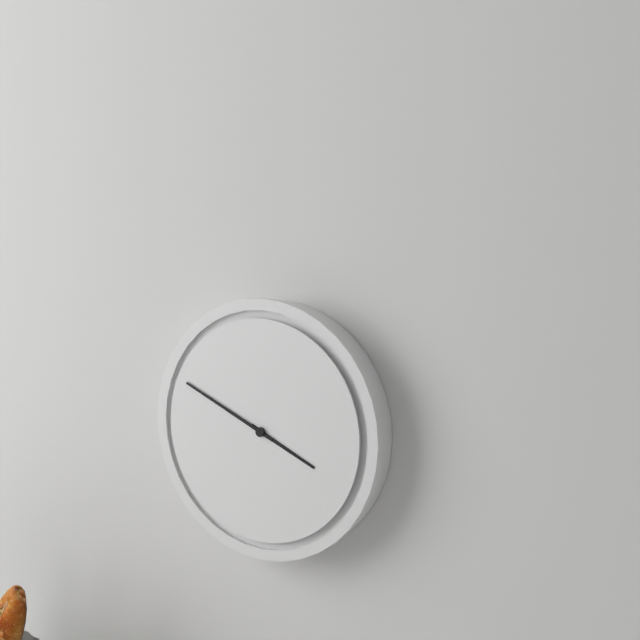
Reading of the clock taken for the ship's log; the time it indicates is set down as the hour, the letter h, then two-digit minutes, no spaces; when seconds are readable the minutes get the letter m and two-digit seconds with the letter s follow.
3h49
